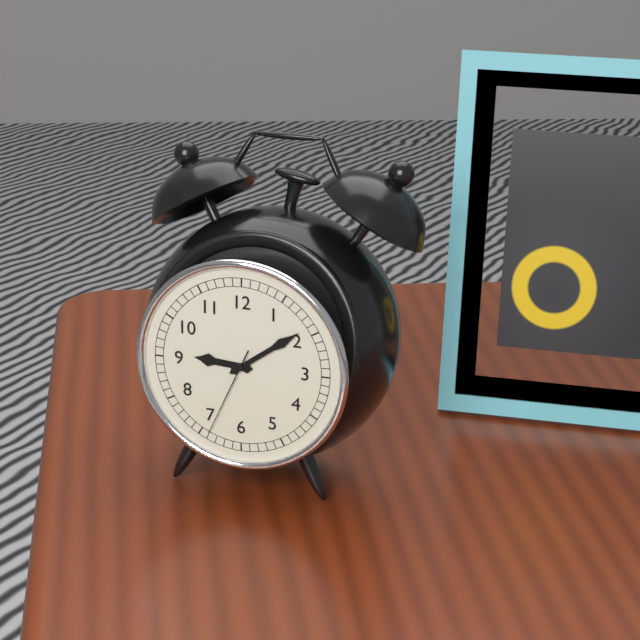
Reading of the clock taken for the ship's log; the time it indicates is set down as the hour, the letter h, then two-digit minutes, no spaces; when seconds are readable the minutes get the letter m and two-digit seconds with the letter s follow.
9h09m34s
